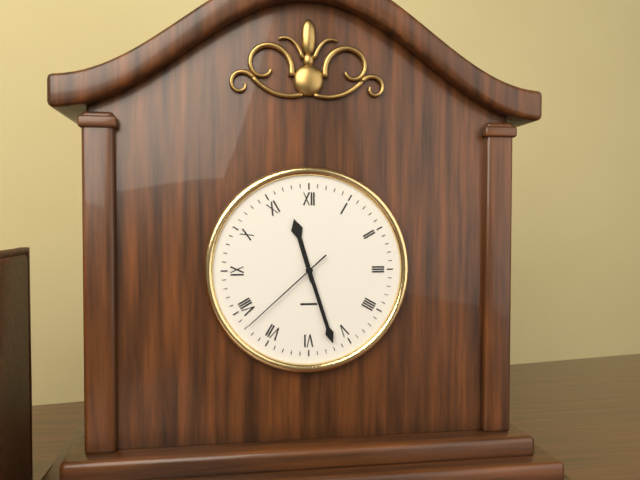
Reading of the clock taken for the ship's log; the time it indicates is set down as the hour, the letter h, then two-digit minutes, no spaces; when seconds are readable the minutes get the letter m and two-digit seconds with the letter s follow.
11h27m38s
